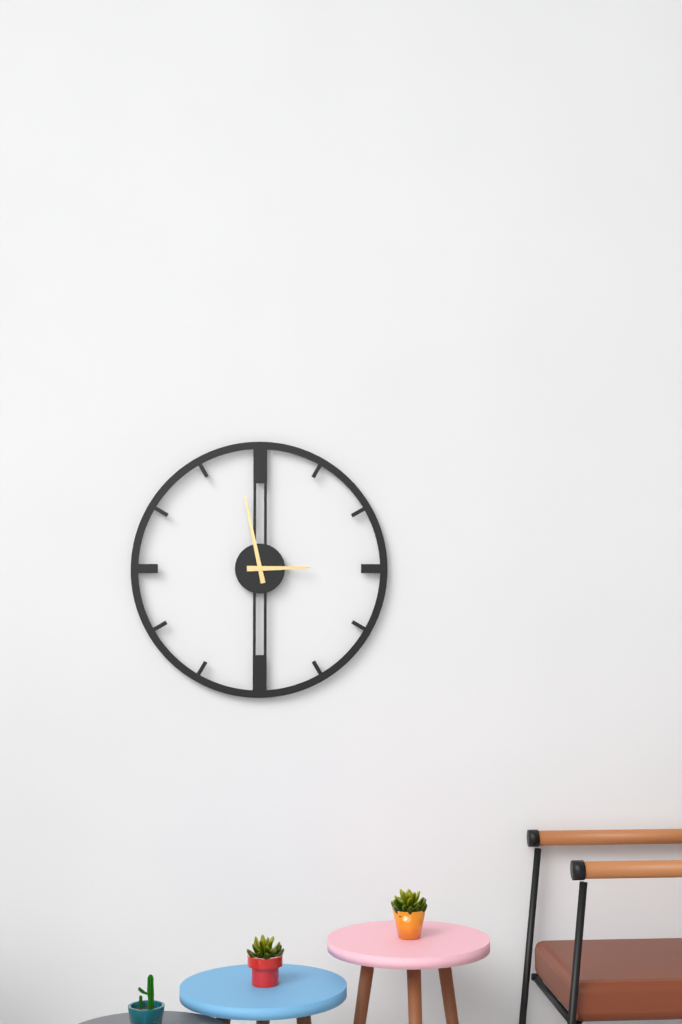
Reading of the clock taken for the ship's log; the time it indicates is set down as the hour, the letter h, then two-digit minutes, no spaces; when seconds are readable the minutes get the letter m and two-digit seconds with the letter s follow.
2h58
